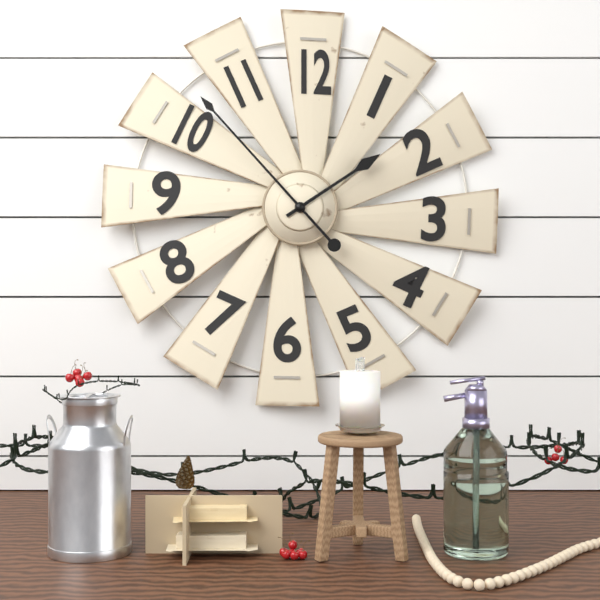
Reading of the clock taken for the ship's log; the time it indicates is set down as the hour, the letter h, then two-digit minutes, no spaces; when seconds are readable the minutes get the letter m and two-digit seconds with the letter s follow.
1h53
